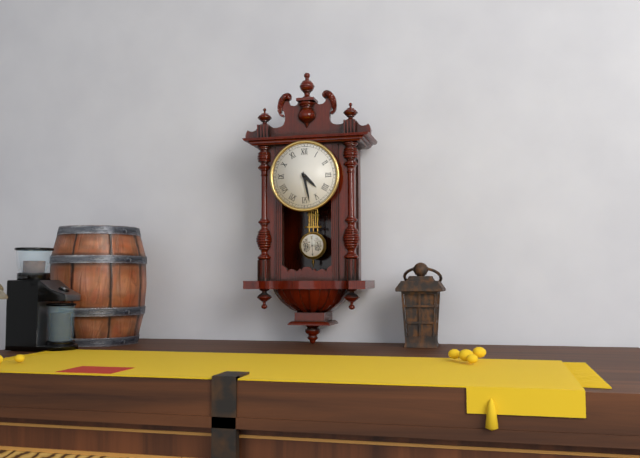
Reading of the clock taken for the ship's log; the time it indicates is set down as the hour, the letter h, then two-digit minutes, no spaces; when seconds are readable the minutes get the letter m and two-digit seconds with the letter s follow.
4h28
